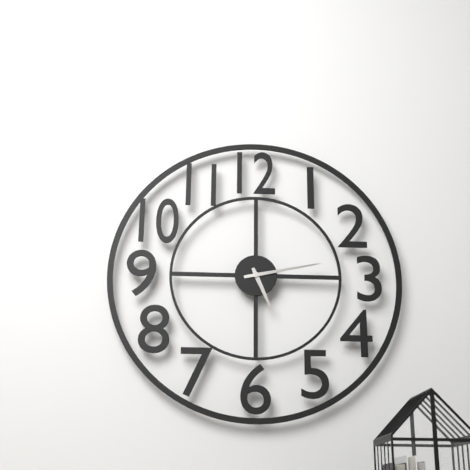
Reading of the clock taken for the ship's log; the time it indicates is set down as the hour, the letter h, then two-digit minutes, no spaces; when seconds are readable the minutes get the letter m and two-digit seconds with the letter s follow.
5h13
